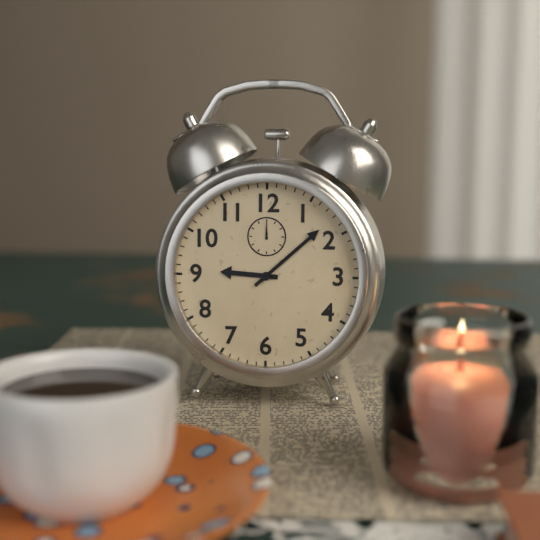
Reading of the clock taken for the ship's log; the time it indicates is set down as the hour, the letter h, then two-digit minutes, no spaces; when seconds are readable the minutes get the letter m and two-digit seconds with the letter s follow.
9h08
